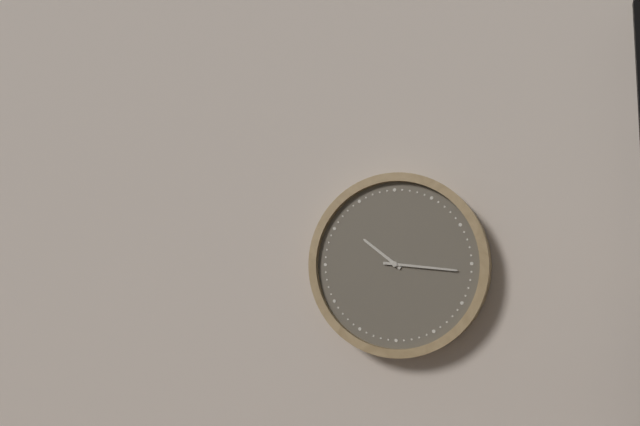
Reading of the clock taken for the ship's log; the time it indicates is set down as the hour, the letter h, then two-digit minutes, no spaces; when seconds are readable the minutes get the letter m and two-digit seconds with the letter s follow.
10h16
